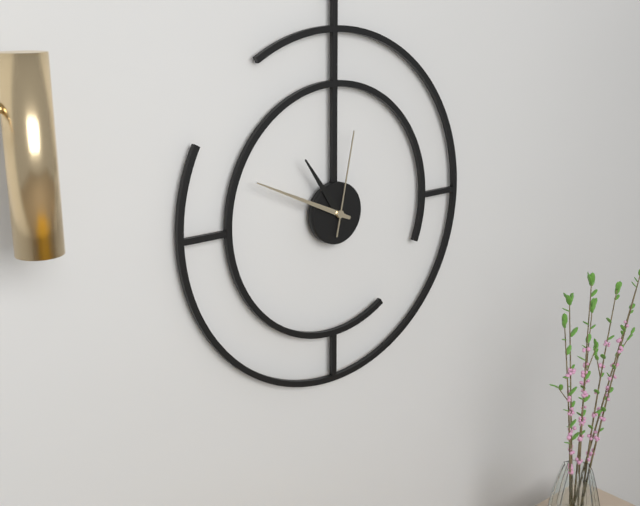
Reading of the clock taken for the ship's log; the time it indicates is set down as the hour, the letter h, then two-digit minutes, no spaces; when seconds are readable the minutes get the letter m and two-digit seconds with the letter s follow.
10h49m02s
